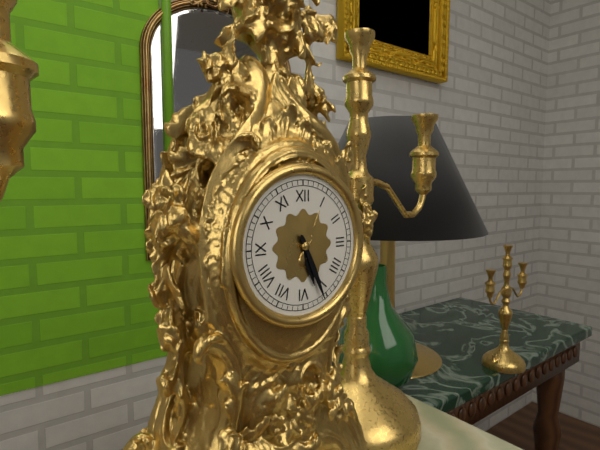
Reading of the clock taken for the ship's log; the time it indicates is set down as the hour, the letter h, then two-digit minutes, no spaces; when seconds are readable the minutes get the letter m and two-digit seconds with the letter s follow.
5h26
